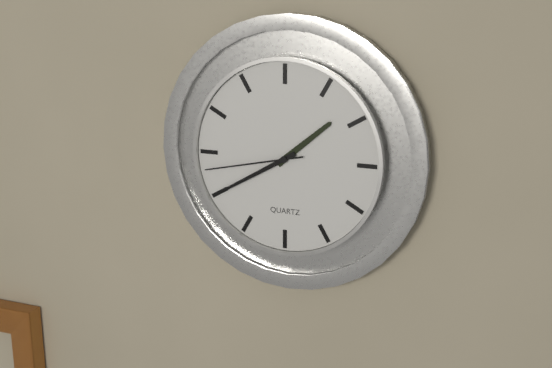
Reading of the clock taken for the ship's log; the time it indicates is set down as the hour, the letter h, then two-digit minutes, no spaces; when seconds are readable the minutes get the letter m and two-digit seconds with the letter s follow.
1h40m43s
